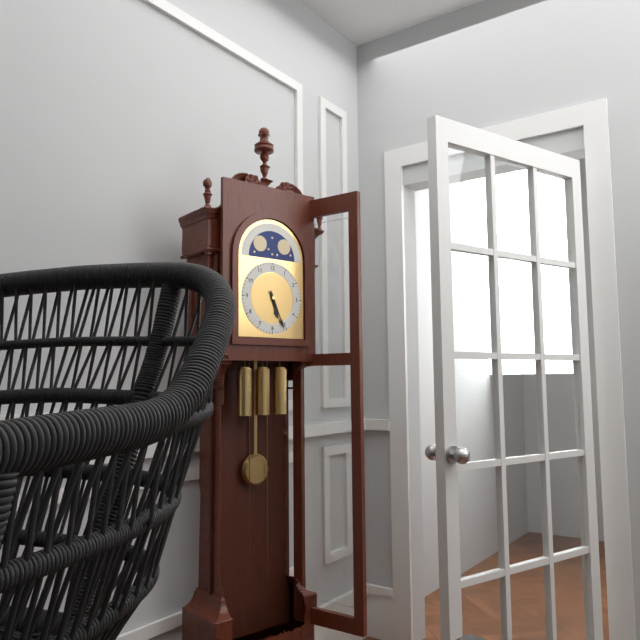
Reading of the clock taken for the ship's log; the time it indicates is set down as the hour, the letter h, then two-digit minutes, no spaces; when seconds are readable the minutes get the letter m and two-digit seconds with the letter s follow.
5h26
